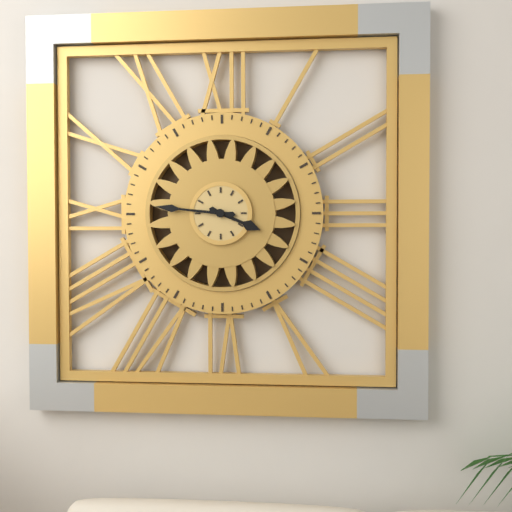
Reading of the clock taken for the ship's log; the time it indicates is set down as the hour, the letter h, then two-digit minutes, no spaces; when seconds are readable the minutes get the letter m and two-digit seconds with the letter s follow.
3h46
